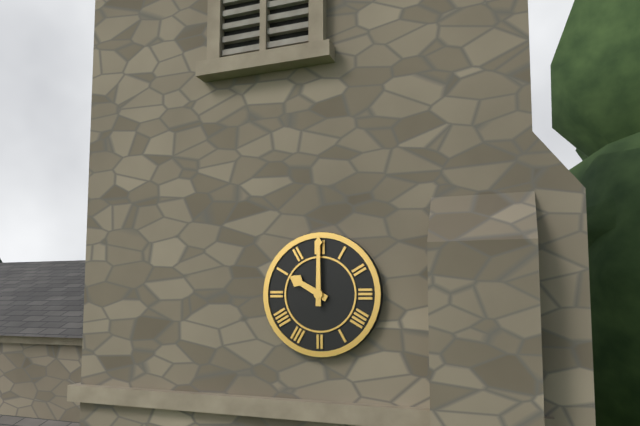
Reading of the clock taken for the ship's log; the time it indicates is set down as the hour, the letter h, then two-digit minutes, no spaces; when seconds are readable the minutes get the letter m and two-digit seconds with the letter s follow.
10h00
